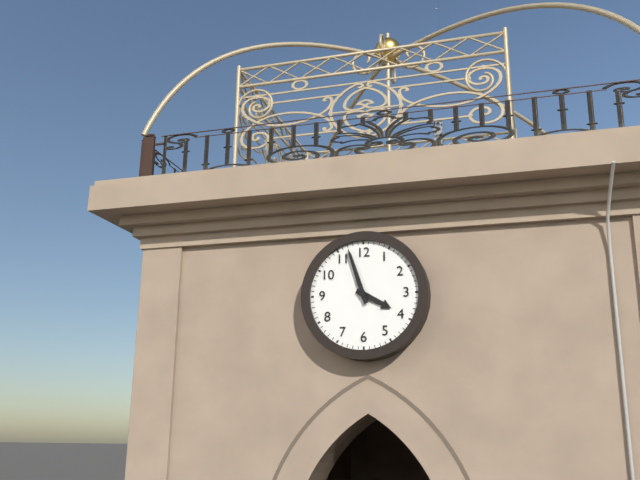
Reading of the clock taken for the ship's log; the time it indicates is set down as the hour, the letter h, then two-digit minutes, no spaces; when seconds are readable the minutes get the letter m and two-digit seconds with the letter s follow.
3h57
